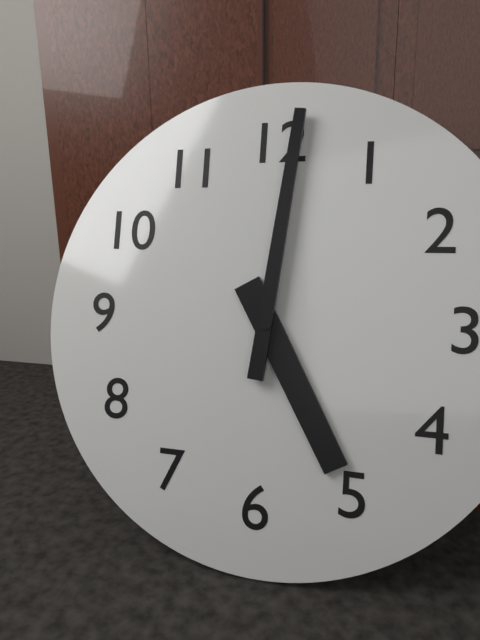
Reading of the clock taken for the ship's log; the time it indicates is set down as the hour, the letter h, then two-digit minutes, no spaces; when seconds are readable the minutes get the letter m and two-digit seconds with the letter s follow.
5h01
